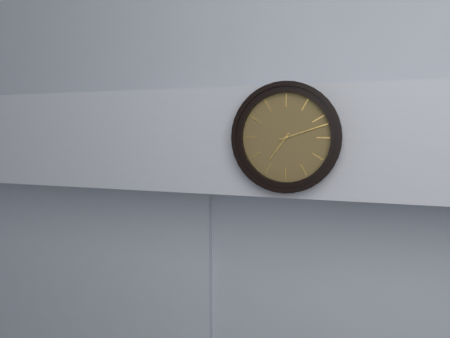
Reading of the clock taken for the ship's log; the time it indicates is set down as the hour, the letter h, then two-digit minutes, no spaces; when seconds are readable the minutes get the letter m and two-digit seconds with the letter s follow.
7h12
